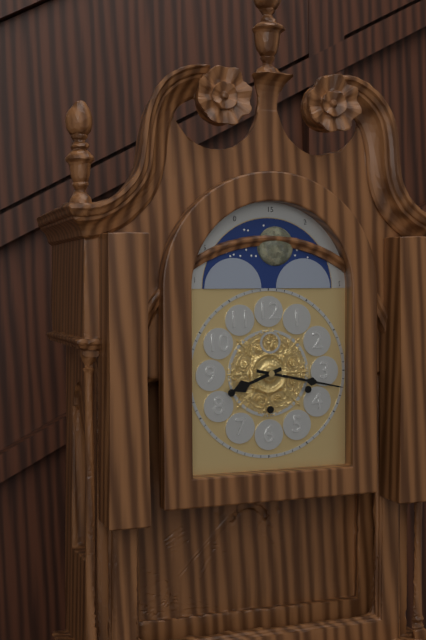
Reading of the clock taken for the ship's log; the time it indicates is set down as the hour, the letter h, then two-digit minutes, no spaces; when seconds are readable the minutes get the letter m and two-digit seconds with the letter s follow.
8h17
